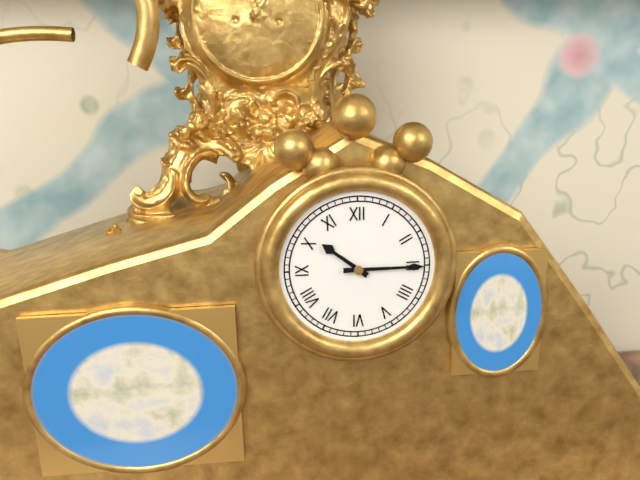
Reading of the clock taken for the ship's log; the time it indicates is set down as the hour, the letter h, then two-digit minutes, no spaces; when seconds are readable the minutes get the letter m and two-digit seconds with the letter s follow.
10h15
